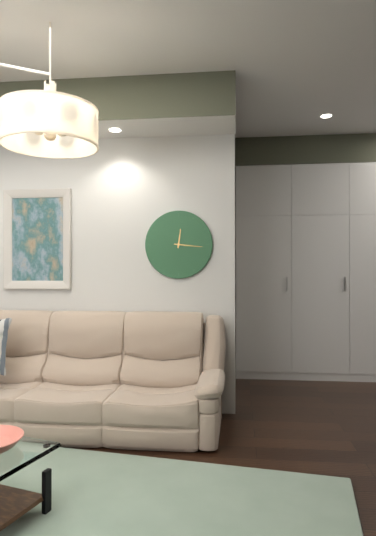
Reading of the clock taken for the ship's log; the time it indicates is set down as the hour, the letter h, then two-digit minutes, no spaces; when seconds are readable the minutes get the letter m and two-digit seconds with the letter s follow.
12h16
